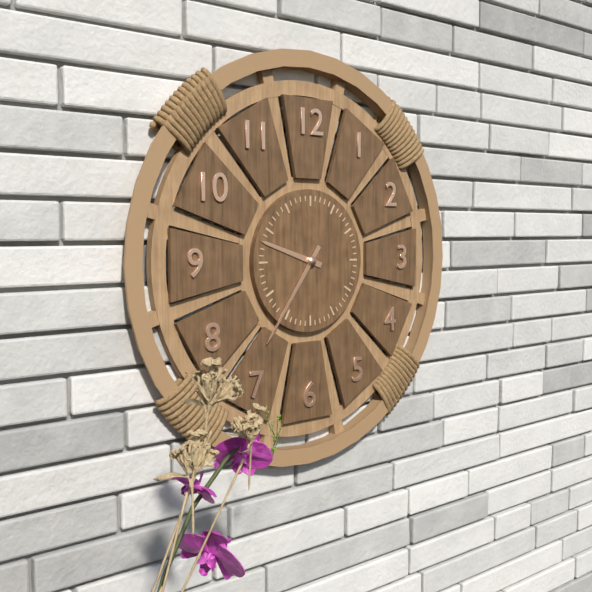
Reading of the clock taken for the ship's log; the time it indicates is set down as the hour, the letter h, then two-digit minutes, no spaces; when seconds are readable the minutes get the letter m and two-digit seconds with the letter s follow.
9h36
